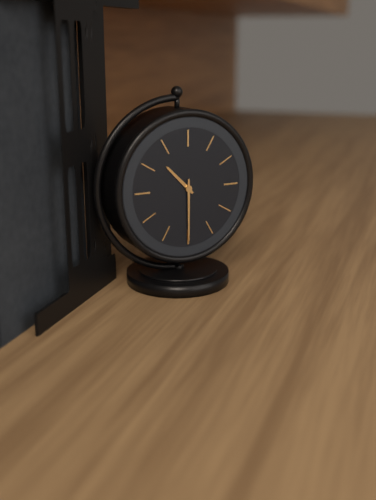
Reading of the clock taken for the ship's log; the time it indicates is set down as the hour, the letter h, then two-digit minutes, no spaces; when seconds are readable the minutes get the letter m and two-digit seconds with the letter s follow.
10h30
